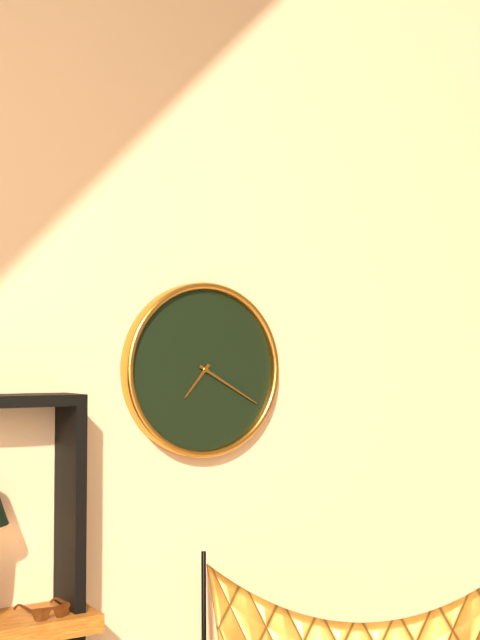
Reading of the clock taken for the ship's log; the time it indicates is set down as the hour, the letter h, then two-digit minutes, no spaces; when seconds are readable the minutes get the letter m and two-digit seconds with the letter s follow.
7h20
